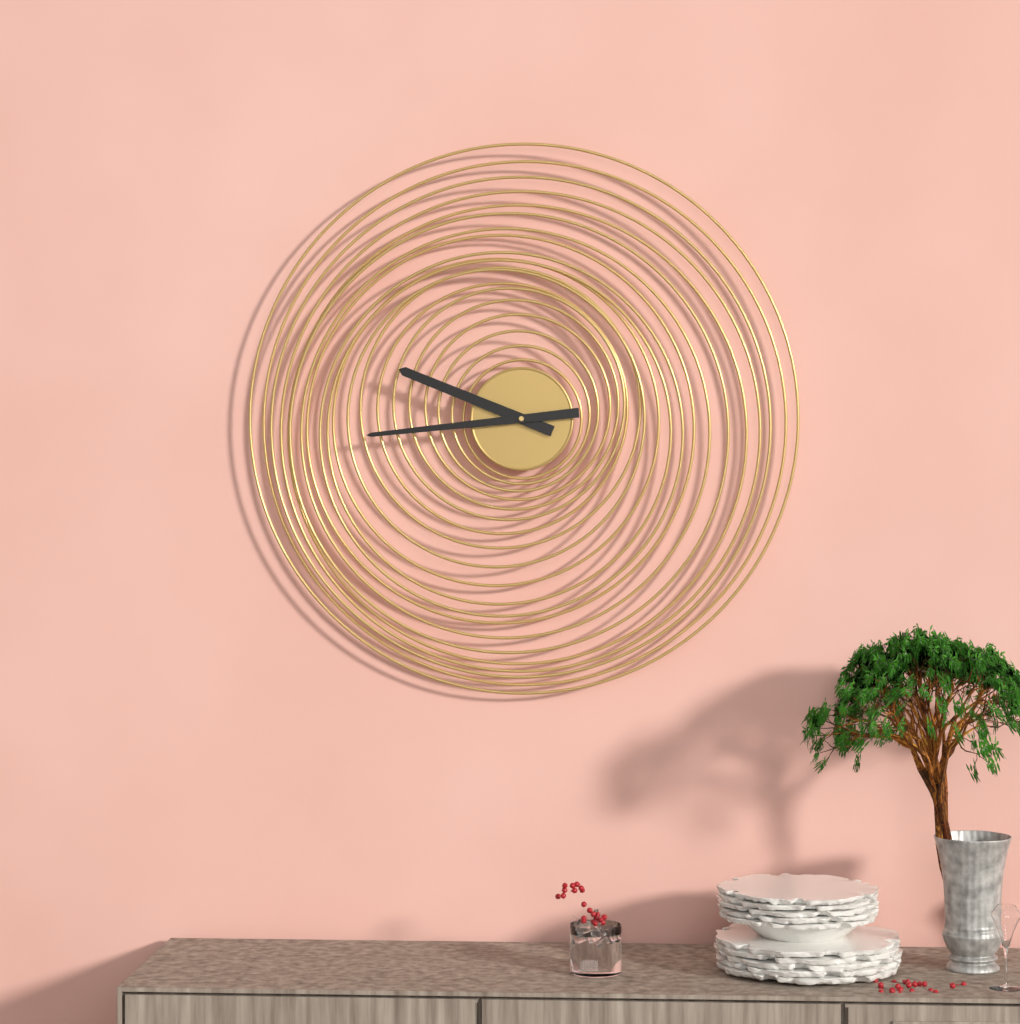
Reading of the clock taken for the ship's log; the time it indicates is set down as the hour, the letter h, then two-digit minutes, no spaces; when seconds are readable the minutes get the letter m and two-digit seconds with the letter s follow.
9h44
